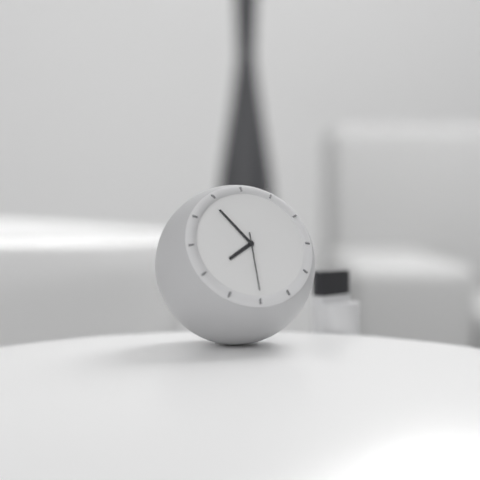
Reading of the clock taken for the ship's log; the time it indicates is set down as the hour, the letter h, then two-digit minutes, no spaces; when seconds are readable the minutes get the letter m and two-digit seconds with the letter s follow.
7h54m30s
